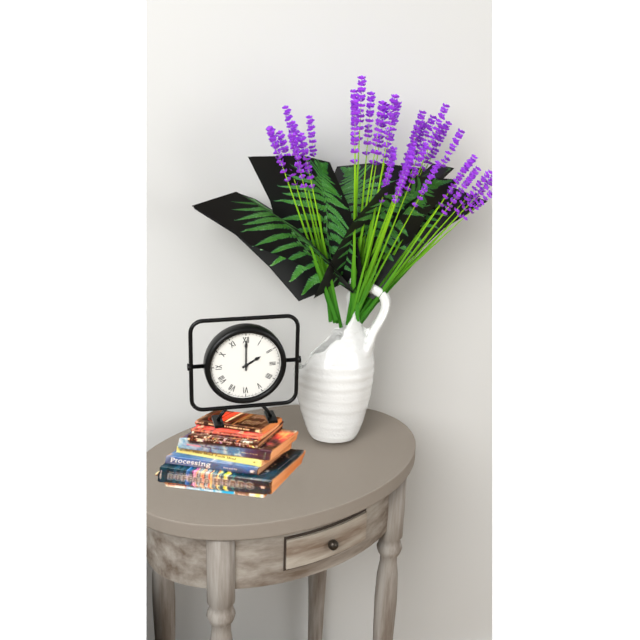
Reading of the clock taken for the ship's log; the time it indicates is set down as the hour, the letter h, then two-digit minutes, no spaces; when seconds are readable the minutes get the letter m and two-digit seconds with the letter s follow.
2h00
